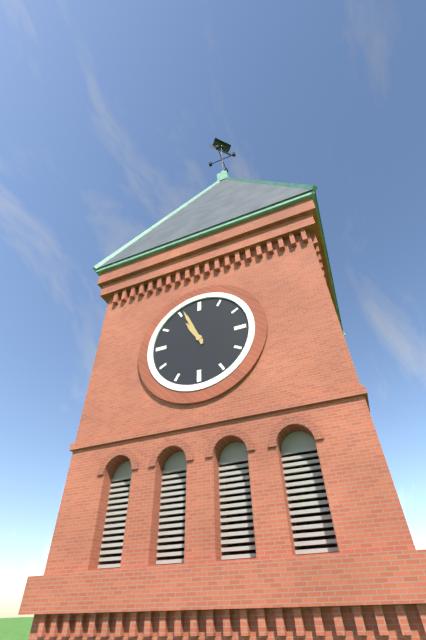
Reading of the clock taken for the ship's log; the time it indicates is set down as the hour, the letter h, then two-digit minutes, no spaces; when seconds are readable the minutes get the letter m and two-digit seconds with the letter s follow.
10h56
